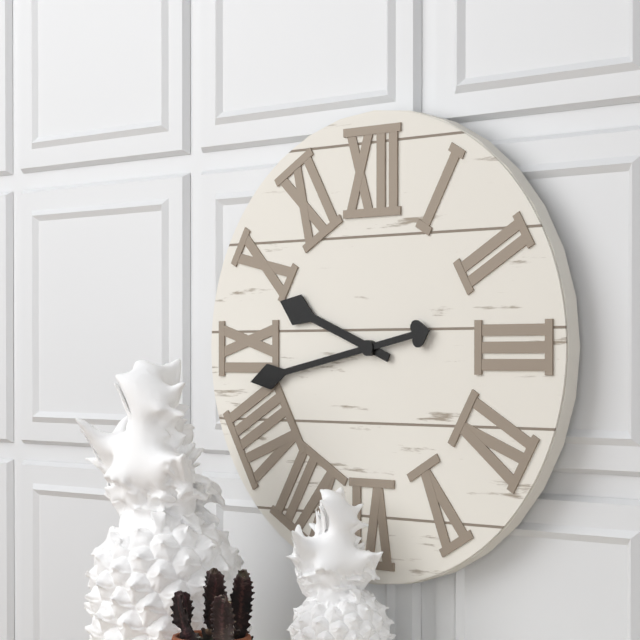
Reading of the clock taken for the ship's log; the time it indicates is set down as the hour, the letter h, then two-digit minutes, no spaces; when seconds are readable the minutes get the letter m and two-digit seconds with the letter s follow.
9h43
